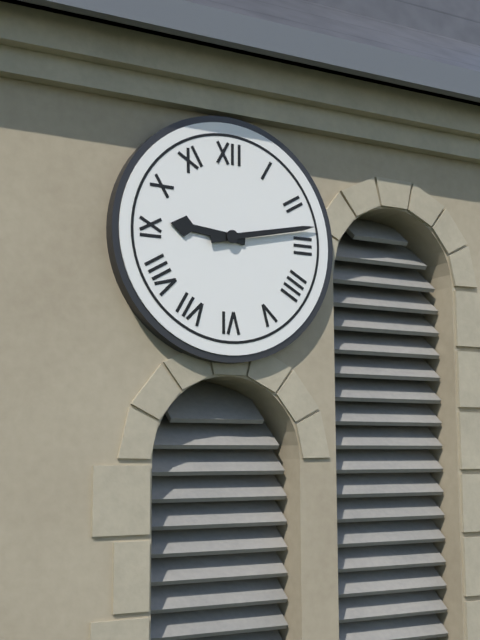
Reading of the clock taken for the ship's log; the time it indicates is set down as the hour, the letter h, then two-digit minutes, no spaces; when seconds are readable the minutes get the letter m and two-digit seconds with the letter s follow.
9h13
